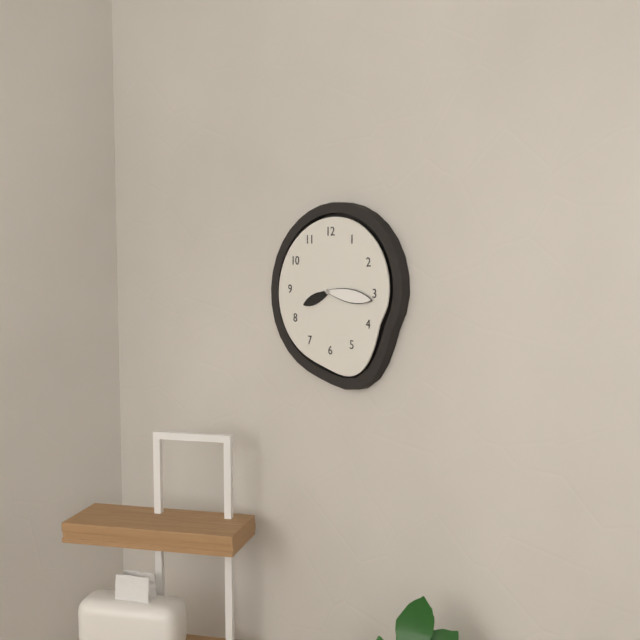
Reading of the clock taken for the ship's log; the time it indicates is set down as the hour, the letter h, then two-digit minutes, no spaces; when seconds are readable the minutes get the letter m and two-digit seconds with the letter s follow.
8h16
